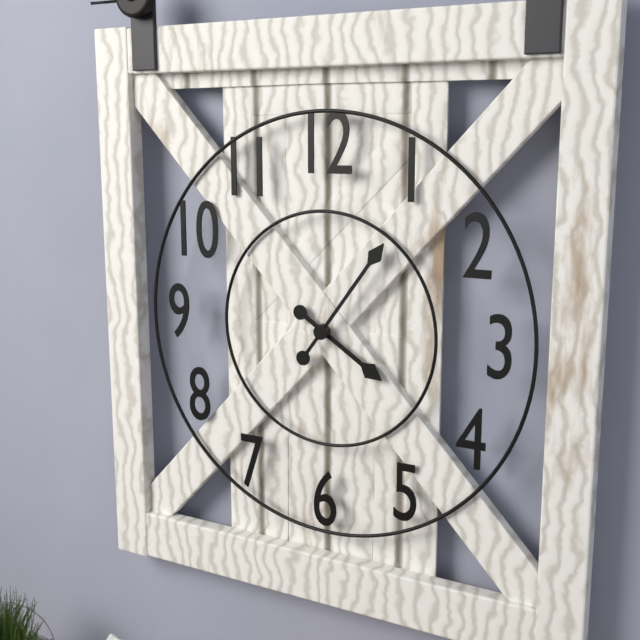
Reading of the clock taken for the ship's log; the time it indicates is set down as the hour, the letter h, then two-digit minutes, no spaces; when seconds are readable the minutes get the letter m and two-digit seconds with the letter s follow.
4h06
